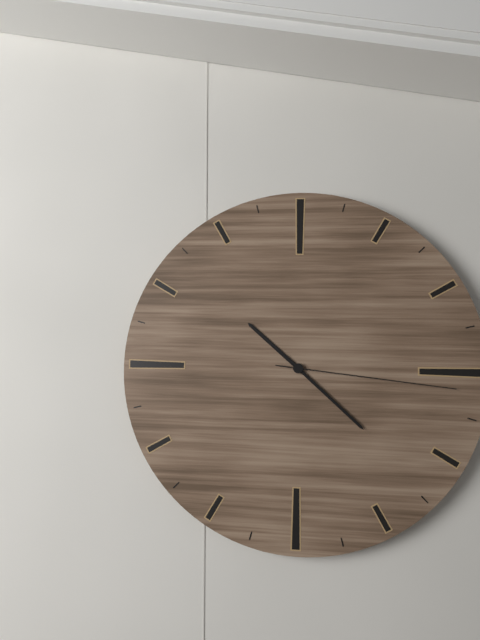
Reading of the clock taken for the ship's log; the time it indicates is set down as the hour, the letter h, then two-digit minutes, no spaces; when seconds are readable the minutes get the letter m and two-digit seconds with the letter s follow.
10h22m16s
